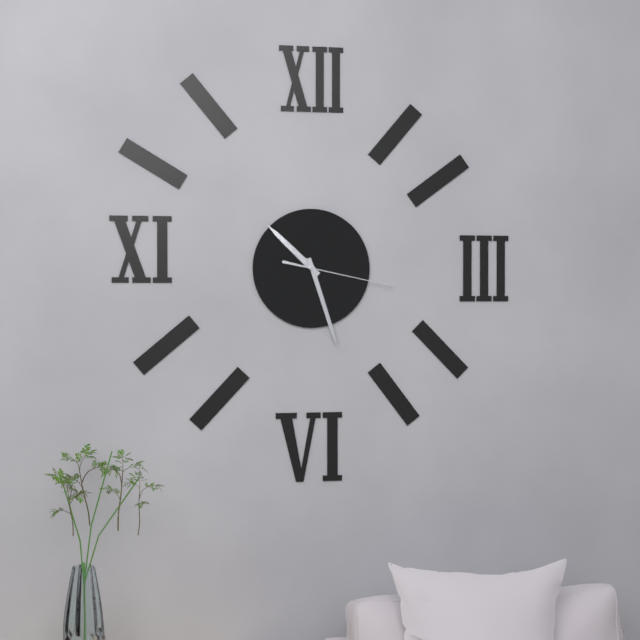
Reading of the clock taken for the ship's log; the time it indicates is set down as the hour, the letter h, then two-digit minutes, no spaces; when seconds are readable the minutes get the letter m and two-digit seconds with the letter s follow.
10h27m17s
